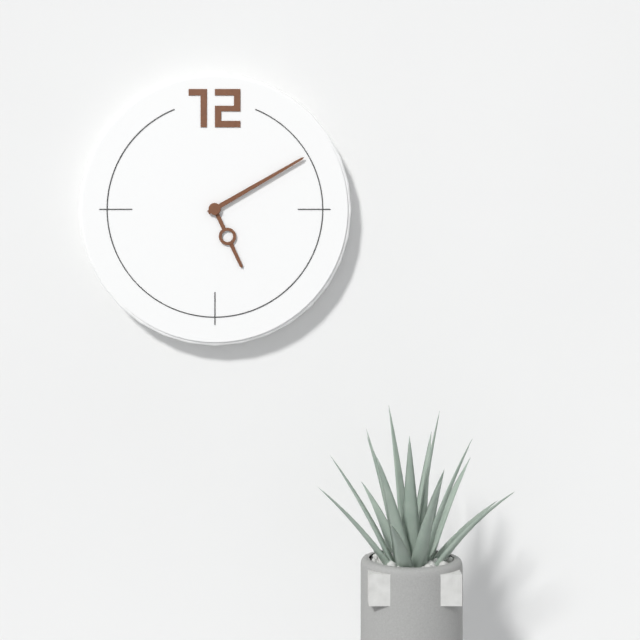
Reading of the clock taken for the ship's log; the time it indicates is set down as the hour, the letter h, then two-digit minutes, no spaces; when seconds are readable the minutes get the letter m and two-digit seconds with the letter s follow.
5h10
